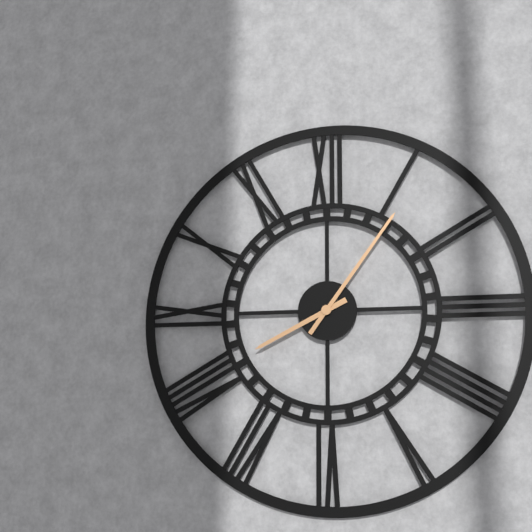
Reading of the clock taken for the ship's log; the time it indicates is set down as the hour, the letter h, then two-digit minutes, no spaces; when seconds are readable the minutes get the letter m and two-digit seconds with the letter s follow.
8h06
